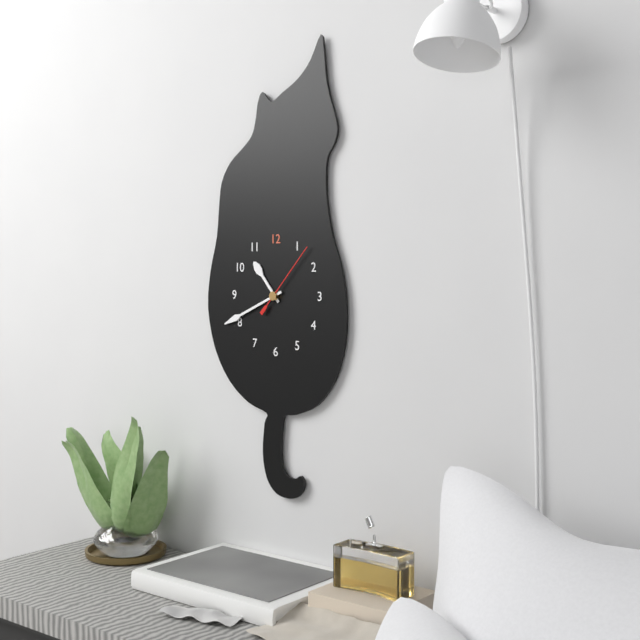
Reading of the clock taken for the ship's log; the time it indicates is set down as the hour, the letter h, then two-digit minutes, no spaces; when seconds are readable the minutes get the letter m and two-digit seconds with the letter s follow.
10h41m07s
